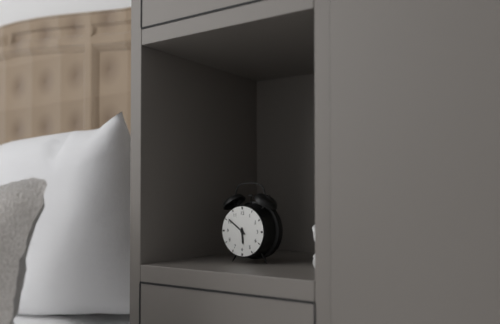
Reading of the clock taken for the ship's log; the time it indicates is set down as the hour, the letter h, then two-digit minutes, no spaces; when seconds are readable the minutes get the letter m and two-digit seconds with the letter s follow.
5h51
